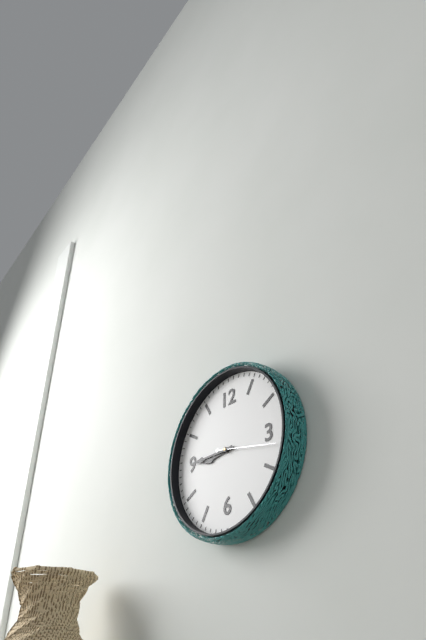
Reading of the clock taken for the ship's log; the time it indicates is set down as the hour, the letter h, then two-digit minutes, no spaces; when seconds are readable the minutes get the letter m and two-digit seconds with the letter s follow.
8h45
